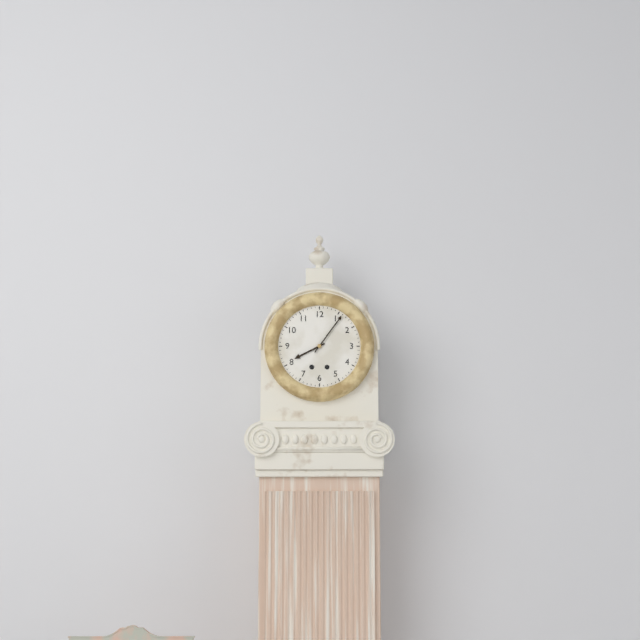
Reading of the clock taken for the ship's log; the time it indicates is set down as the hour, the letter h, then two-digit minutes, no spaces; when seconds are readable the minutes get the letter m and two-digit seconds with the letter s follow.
8h06
